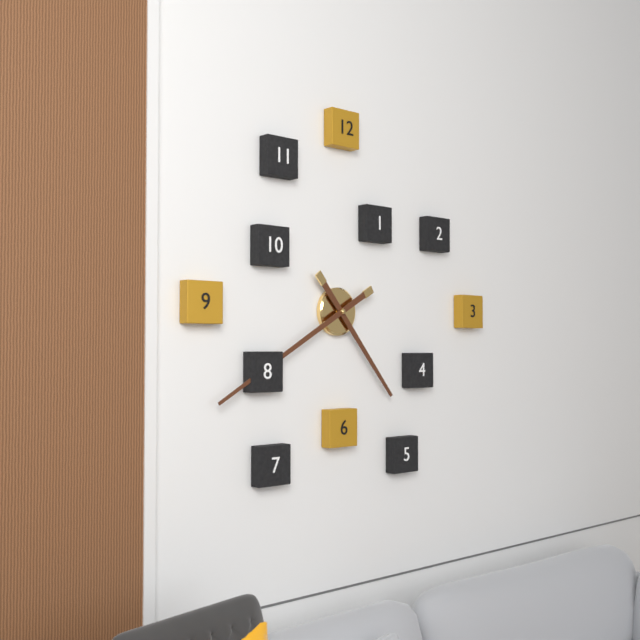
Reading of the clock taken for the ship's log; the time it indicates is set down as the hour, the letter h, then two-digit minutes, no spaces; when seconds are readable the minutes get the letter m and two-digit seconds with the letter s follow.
4h40
